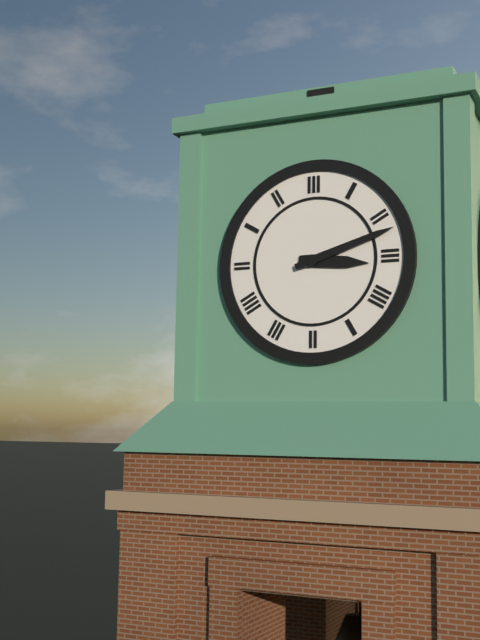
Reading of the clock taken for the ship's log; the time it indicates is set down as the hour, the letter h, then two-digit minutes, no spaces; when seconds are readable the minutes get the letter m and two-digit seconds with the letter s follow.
3h12
